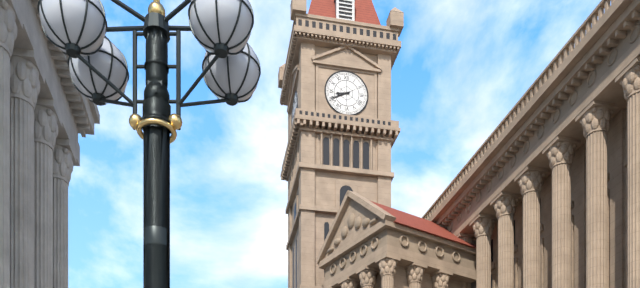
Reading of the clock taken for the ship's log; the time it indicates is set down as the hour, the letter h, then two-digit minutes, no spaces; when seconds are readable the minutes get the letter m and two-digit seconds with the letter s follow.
8h41
